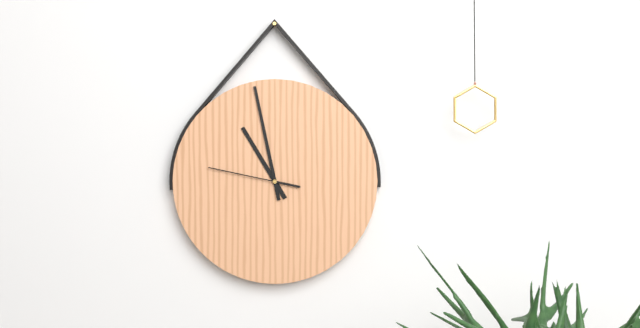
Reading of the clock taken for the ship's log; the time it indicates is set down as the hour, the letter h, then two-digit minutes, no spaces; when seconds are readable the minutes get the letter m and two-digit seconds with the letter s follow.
10h58m47s
